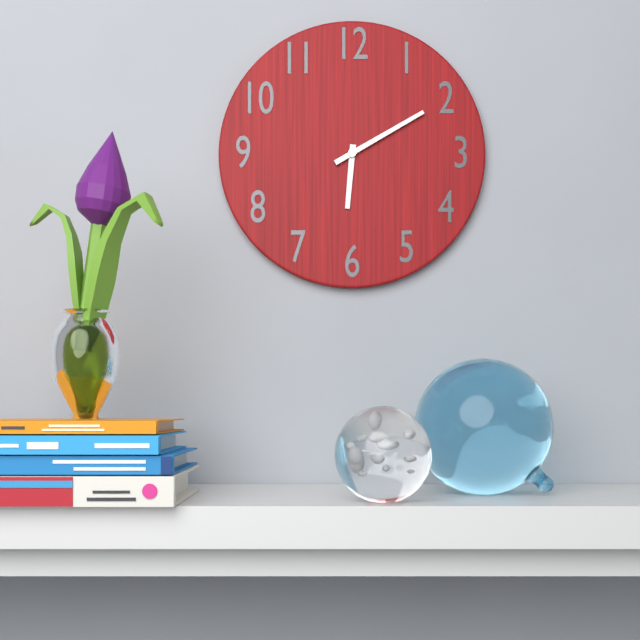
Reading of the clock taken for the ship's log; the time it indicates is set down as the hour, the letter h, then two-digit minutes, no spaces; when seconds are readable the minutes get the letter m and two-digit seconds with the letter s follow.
6h10
